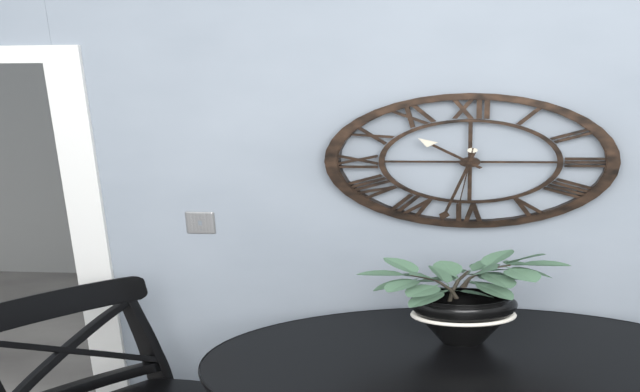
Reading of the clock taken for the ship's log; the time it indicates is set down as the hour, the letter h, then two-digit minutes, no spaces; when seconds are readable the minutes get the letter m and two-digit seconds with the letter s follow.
10h32m31s
